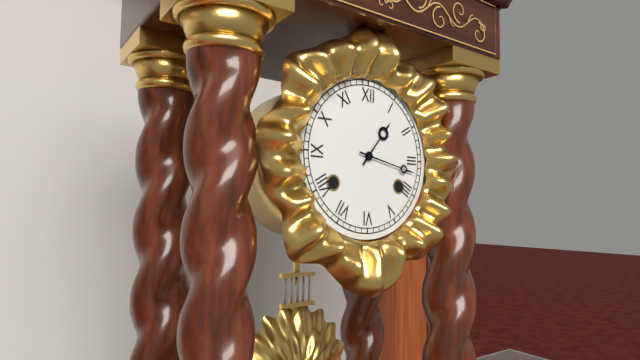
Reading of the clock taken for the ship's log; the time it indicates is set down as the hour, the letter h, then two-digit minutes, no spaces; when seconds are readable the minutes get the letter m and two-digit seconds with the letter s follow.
1h17
